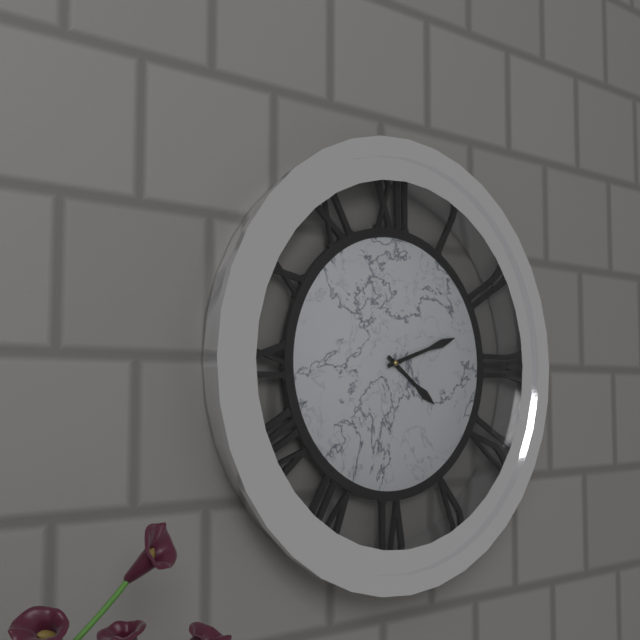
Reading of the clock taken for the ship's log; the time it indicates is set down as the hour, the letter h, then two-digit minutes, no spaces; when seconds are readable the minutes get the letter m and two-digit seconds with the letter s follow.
4h12
